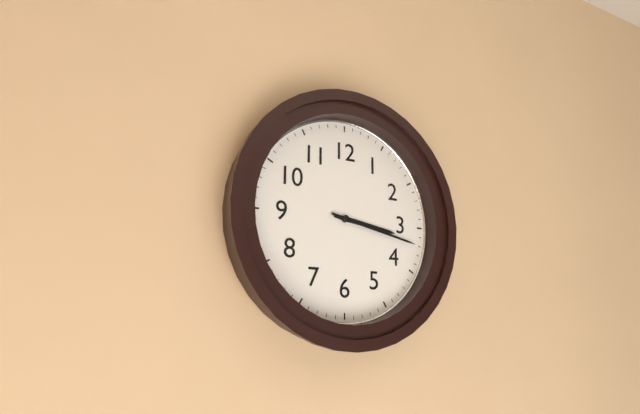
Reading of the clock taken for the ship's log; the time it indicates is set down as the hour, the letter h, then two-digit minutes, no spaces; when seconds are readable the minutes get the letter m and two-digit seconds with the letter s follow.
3h17
